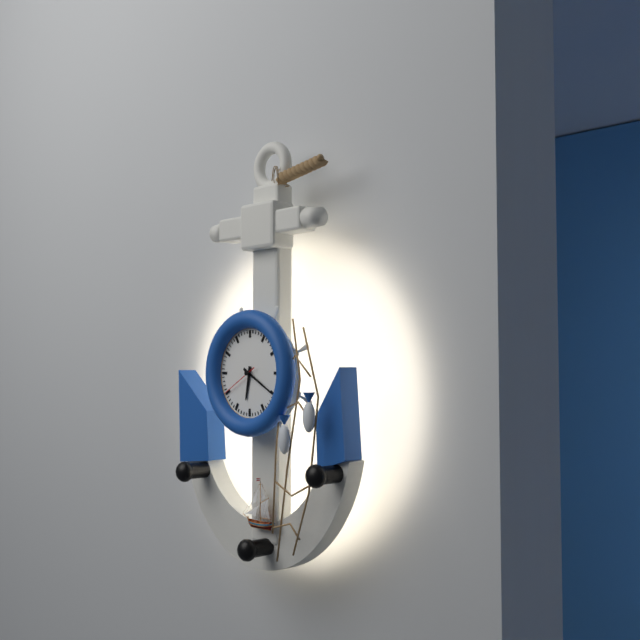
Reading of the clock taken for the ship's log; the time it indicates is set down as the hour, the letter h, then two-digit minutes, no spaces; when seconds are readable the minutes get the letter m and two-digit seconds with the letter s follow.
6h20
